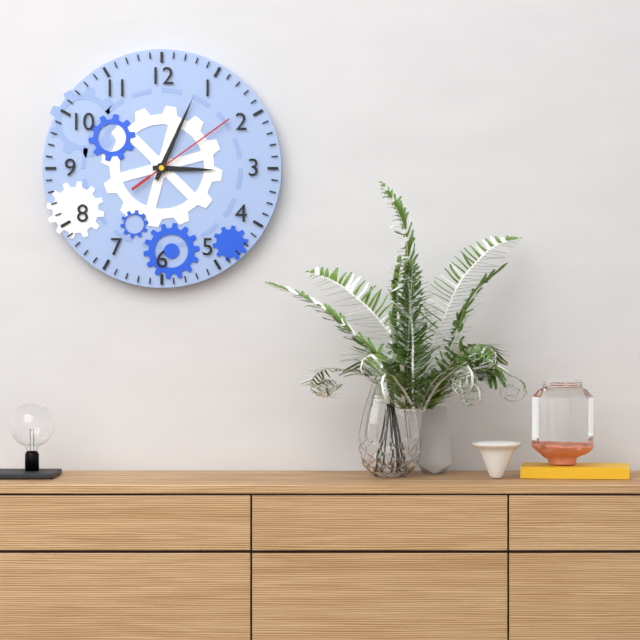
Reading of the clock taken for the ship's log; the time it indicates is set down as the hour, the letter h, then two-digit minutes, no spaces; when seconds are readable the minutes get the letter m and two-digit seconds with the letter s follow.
3h04m09s
